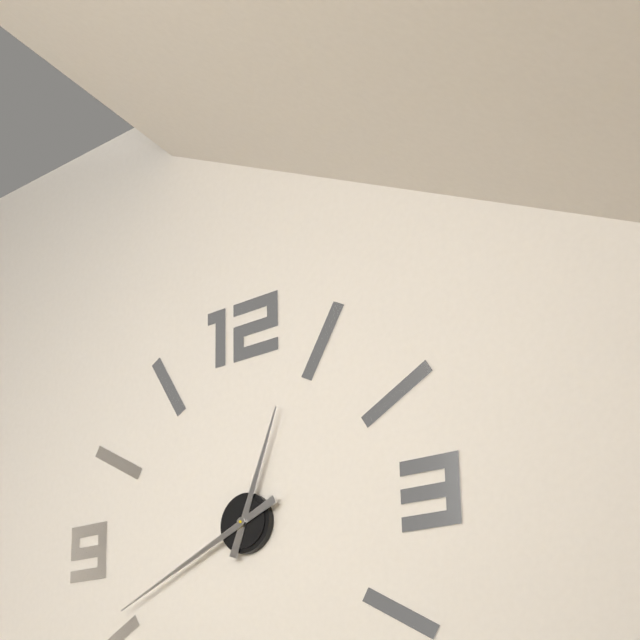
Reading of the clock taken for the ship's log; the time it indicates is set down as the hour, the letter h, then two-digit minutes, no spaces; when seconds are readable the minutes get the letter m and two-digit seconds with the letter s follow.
12h41
